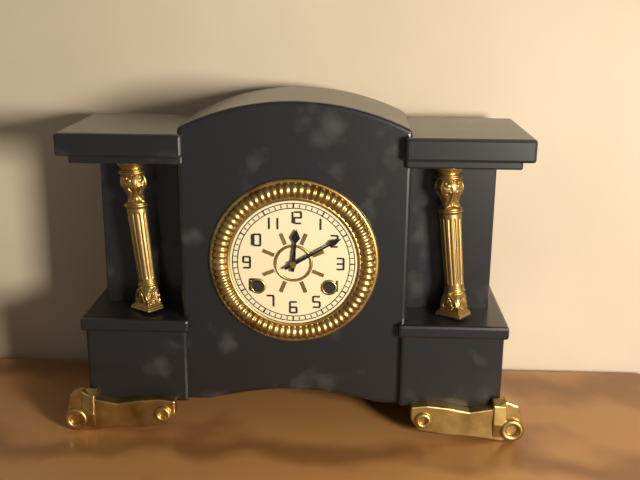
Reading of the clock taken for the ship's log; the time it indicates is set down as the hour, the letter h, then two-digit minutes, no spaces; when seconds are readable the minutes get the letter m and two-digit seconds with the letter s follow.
12h10
